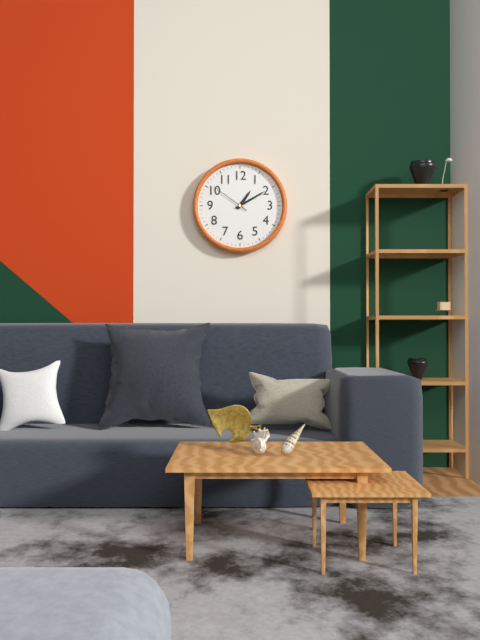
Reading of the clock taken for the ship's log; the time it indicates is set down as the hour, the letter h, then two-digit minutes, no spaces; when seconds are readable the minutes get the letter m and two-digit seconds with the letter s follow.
1h10
